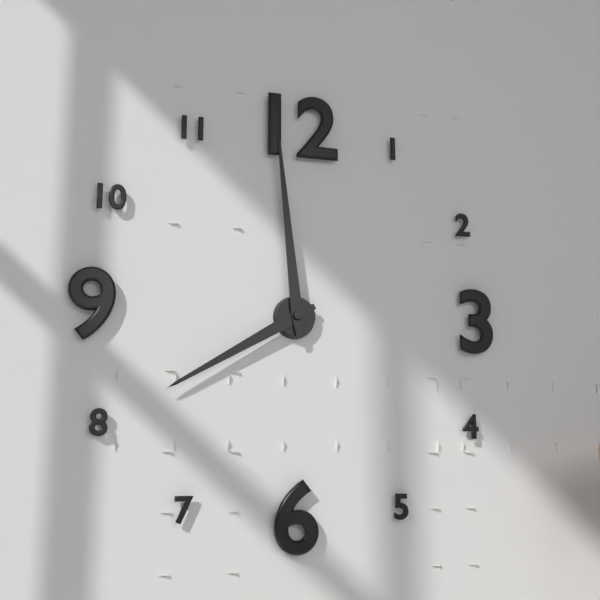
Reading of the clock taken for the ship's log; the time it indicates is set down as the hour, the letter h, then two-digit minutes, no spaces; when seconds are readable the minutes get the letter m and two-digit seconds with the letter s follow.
7h59
